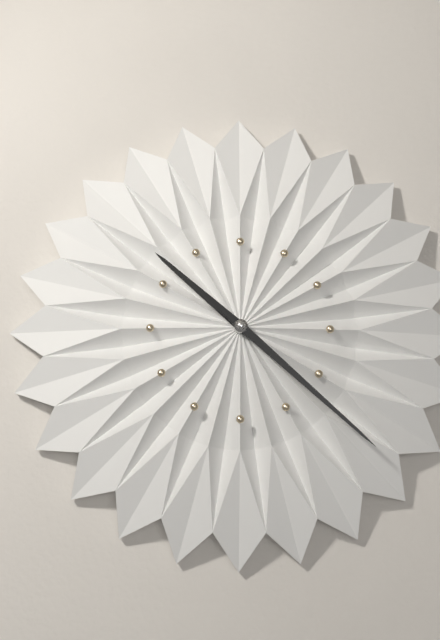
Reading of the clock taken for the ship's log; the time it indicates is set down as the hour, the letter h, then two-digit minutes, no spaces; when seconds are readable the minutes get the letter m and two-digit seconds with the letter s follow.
10h22
